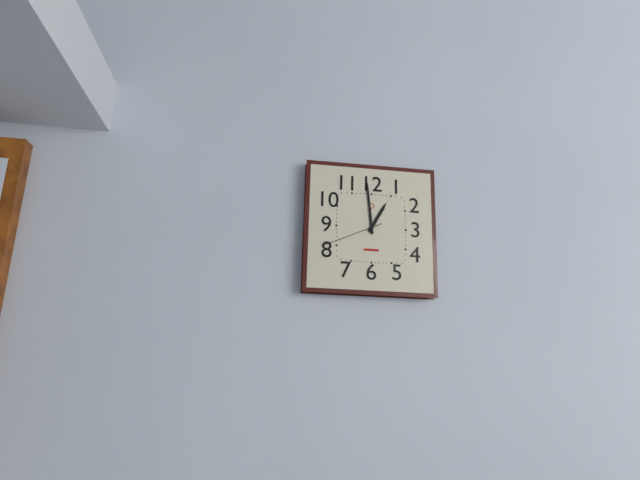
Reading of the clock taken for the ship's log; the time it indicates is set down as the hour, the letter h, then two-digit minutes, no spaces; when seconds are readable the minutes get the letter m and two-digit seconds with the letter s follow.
12h59m41s
